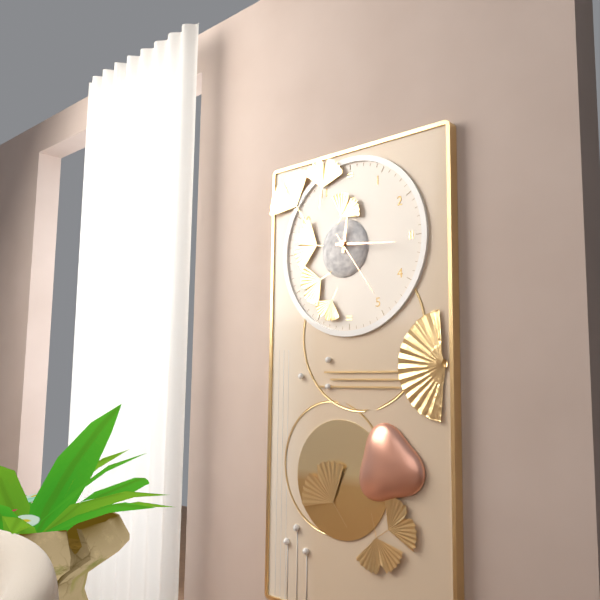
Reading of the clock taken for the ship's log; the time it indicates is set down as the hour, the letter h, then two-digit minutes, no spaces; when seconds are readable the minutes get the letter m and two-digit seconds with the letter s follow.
12h16m24s
